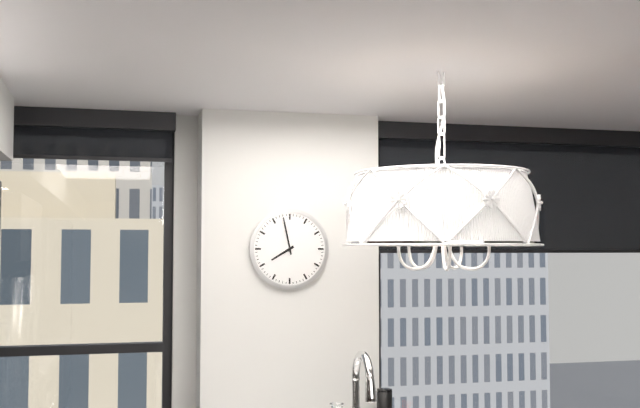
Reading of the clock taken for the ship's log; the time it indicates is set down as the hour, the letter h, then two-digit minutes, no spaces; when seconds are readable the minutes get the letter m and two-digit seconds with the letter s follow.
7h58
